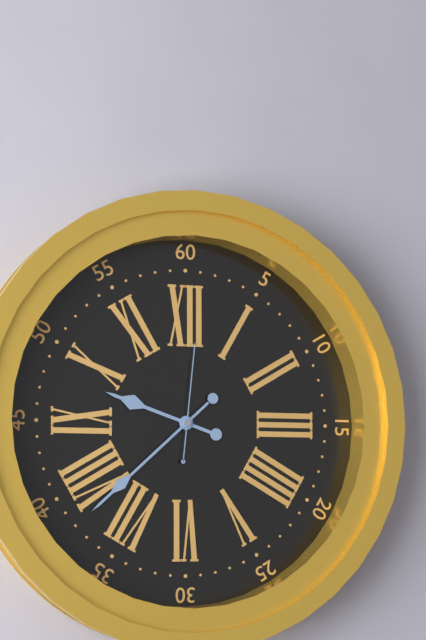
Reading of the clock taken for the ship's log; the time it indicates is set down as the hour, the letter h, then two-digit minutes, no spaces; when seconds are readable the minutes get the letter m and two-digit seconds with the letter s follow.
9h38m01s
